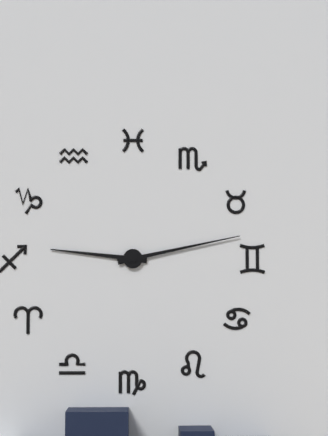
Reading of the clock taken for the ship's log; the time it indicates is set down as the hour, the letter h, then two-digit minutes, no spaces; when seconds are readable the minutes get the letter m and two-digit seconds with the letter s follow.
9h13
